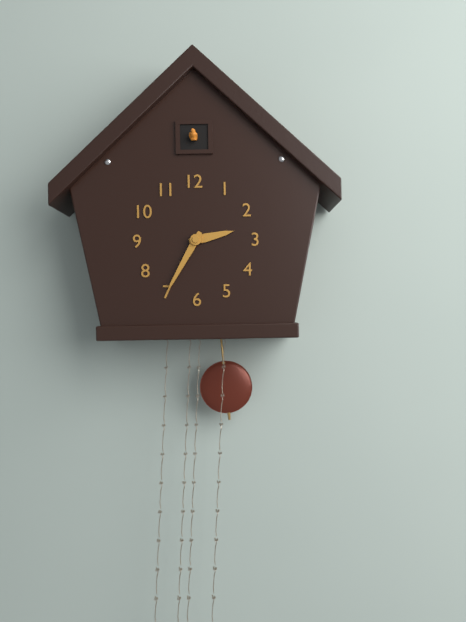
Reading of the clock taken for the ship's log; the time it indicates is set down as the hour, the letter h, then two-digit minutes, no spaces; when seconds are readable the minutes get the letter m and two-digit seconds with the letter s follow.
2h35
